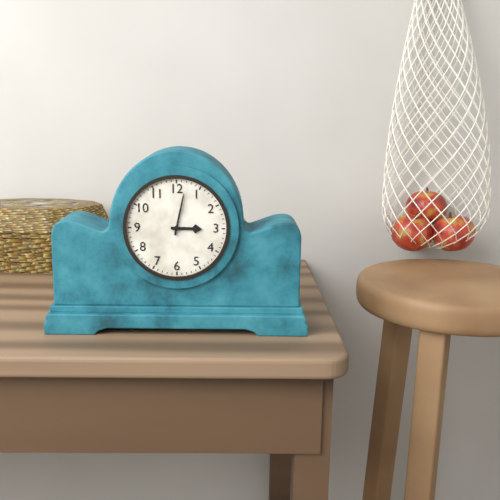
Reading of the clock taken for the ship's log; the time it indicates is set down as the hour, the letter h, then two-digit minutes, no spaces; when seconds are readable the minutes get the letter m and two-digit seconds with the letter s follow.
3h02
